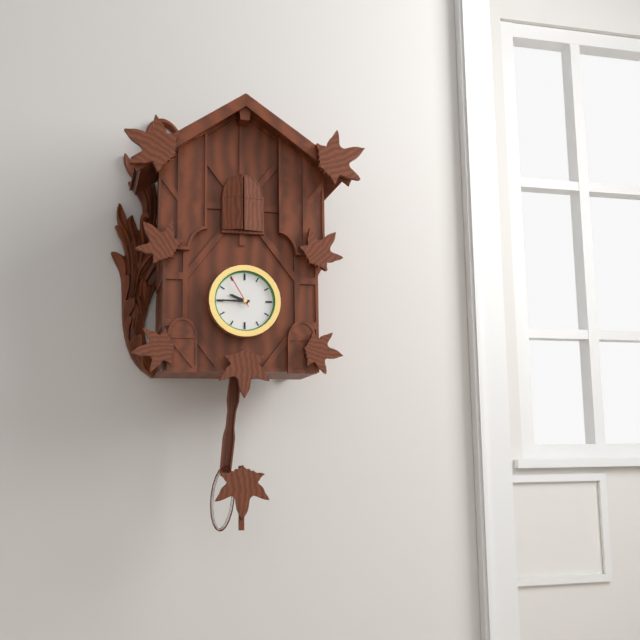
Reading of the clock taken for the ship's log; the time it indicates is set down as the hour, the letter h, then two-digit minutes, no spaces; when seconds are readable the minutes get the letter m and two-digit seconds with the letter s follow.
9h45
